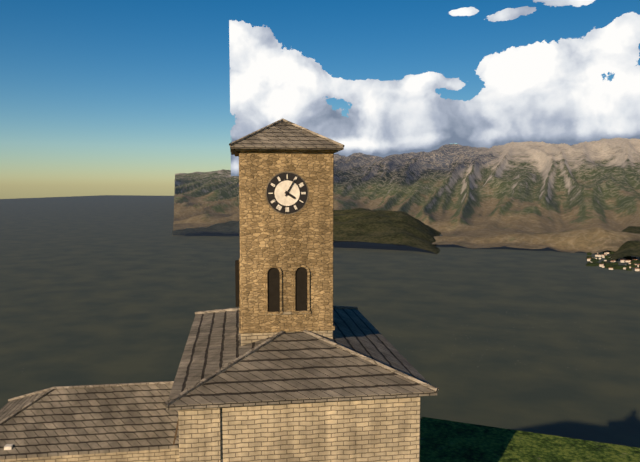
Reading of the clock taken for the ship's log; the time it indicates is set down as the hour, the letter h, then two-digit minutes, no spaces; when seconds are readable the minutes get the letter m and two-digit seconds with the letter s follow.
4h05
